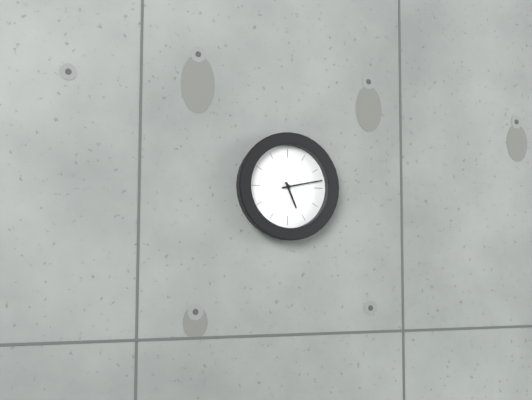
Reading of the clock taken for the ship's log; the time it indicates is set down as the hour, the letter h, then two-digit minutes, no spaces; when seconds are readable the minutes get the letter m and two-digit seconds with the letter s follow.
5h13
